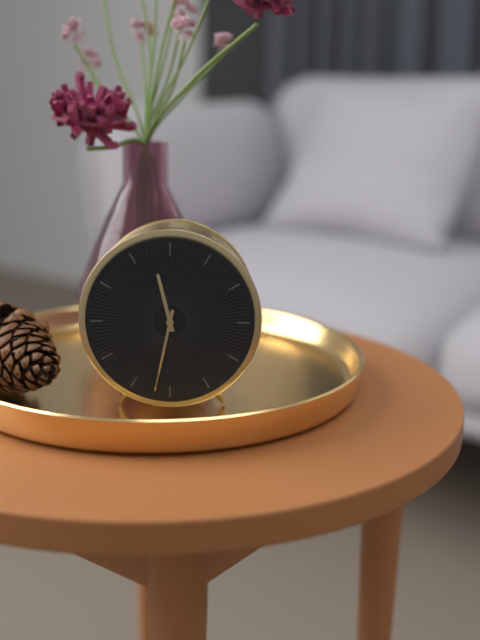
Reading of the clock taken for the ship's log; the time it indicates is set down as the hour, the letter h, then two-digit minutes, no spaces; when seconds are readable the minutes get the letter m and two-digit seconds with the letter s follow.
11h32
